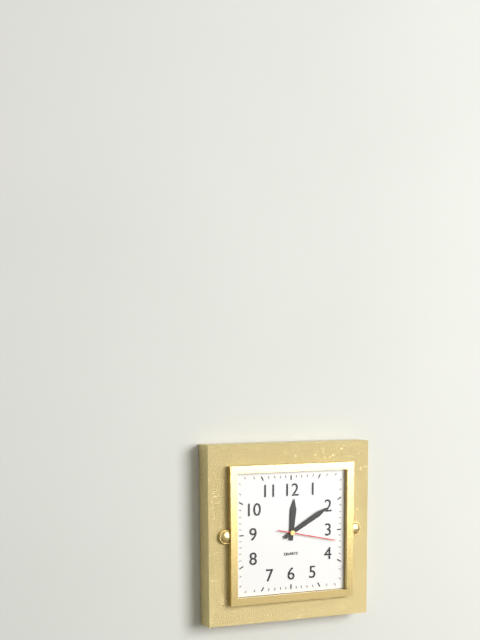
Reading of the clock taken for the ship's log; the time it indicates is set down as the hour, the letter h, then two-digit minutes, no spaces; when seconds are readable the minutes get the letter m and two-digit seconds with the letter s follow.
12h10m17s
